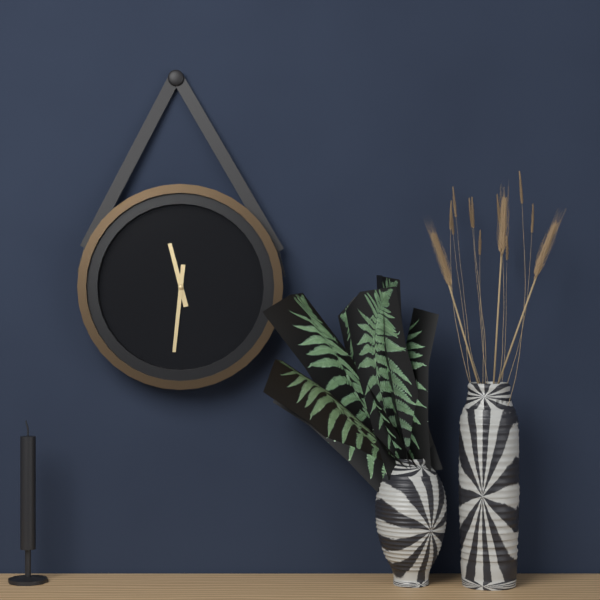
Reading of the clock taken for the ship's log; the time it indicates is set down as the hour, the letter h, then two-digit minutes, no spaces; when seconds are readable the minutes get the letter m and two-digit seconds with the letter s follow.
11h31
